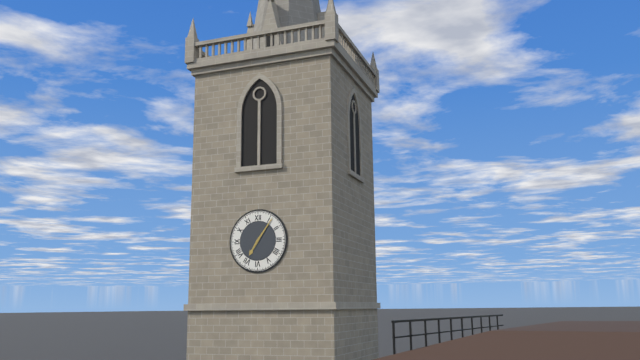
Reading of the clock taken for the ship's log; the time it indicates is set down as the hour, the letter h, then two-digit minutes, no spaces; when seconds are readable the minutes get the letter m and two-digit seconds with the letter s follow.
7h06
